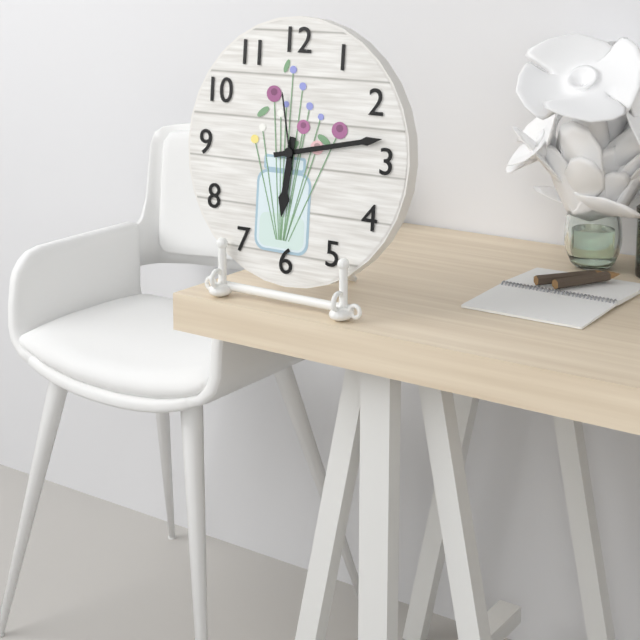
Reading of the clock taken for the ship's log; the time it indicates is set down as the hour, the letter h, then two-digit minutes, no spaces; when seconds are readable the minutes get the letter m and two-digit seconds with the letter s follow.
6h13m58s
